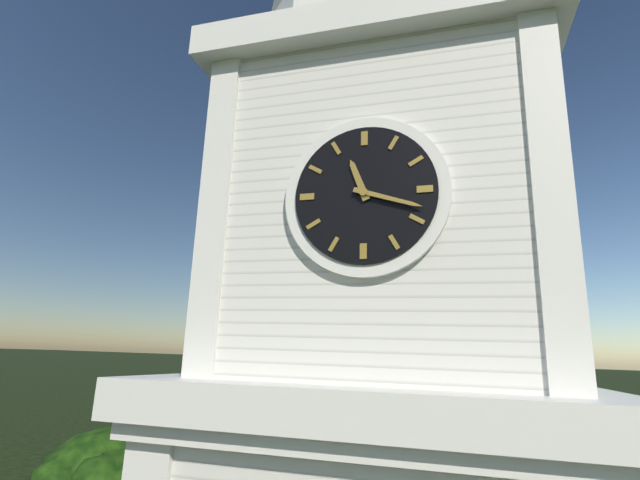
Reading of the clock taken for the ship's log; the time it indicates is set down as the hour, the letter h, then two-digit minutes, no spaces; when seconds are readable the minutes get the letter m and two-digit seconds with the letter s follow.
11h18
